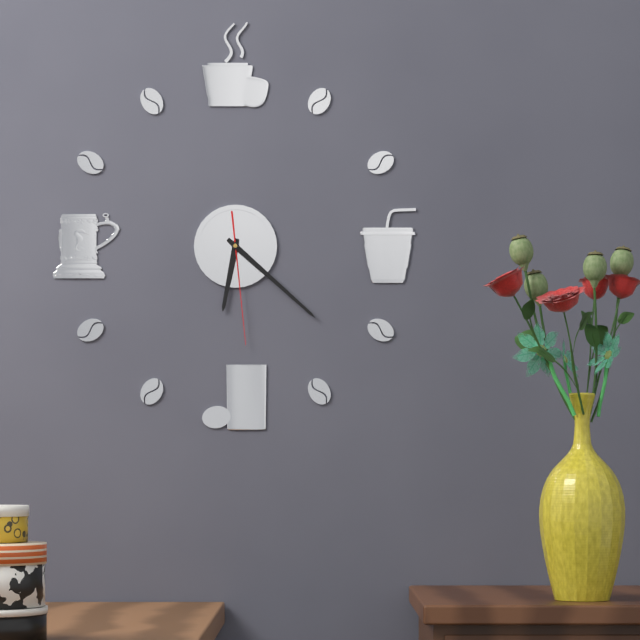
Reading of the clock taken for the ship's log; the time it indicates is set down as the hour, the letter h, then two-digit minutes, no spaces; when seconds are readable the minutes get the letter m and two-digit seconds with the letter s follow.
6h22m29s
